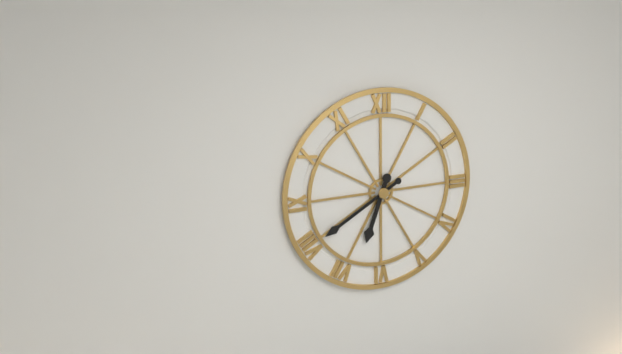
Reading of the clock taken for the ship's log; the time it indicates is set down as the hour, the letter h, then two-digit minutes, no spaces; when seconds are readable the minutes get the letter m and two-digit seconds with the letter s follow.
6h40
